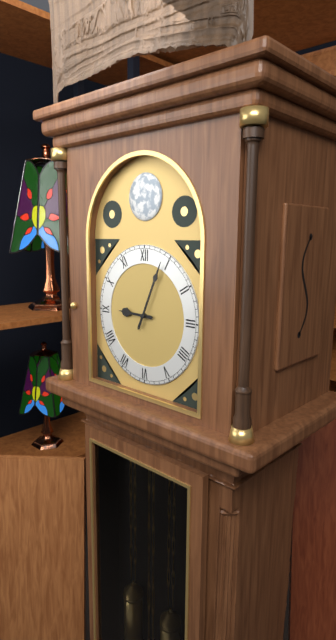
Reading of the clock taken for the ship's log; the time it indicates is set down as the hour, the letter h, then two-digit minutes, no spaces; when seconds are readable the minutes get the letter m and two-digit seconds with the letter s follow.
9h04
